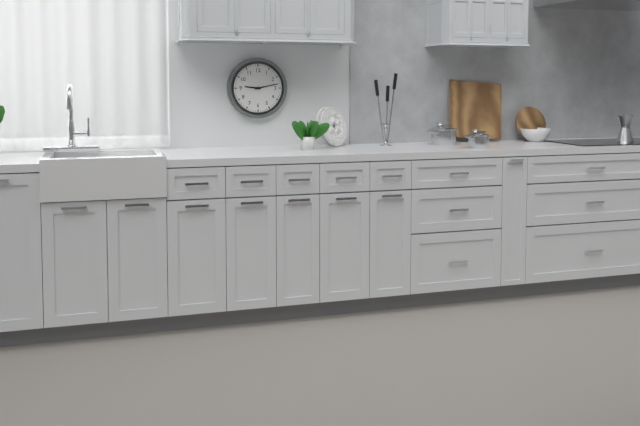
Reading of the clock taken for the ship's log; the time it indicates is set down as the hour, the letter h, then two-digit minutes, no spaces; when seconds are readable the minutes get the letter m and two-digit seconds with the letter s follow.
9h13
